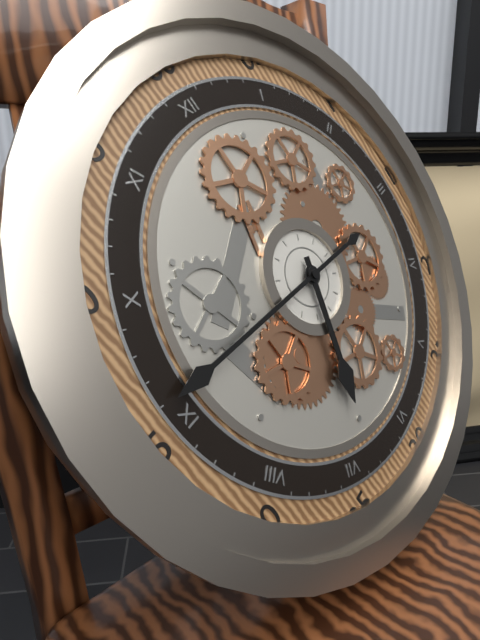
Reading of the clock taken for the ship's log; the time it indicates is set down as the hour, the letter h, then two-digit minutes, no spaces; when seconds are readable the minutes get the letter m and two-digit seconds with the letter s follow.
6h46
